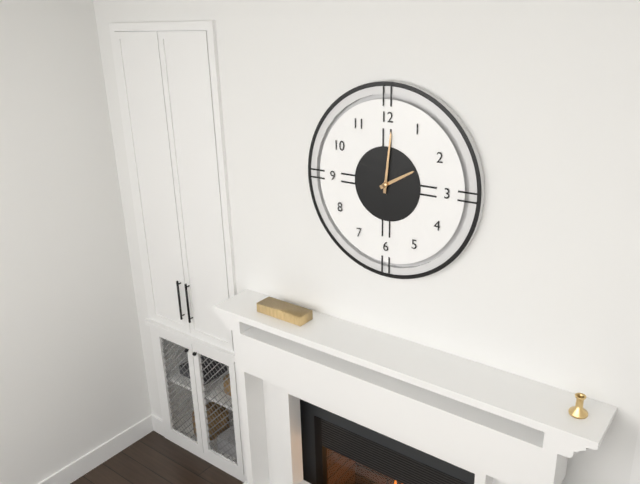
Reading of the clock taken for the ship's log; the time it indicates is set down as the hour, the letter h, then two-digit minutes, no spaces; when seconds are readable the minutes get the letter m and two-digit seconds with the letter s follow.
2h01
